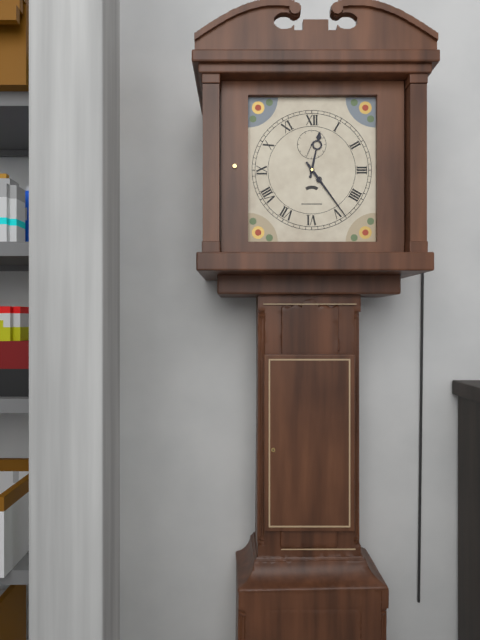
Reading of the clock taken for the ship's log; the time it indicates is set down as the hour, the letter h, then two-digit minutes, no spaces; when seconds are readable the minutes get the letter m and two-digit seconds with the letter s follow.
12h24
